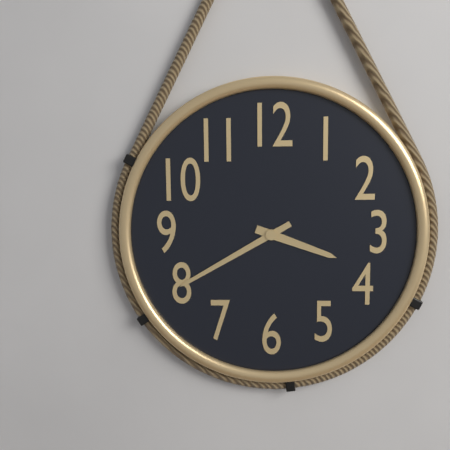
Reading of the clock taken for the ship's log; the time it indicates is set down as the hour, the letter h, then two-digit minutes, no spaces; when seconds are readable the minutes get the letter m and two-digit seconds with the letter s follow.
3h40
